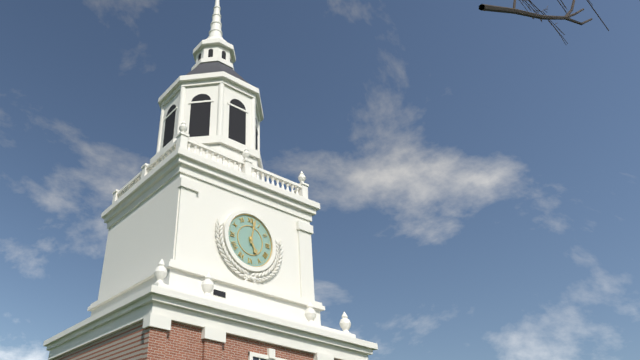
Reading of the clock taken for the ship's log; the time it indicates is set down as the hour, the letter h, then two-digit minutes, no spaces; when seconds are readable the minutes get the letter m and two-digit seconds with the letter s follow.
5h02
